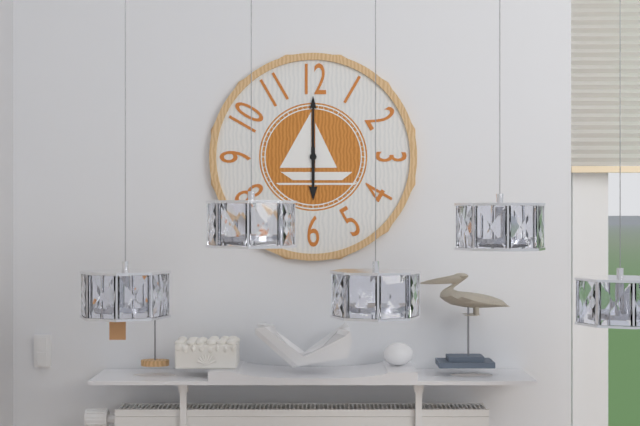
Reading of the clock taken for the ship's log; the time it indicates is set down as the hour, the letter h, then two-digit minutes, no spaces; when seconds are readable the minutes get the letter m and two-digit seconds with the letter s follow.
6h00
